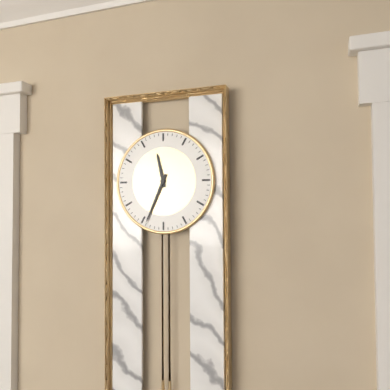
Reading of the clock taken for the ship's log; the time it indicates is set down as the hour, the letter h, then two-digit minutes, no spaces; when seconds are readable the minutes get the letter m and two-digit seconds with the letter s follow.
11h34
